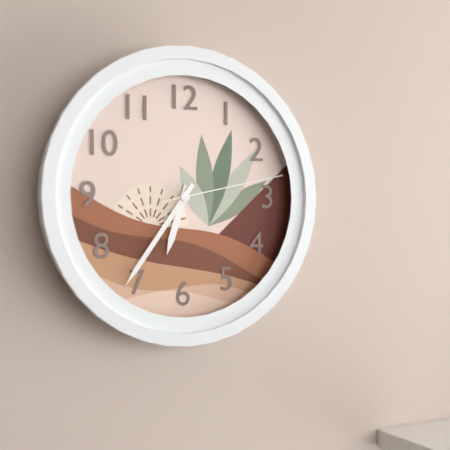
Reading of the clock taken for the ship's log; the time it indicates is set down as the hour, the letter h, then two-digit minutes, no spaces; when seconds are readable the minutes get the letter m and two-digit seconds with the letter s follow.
6h36m13s
